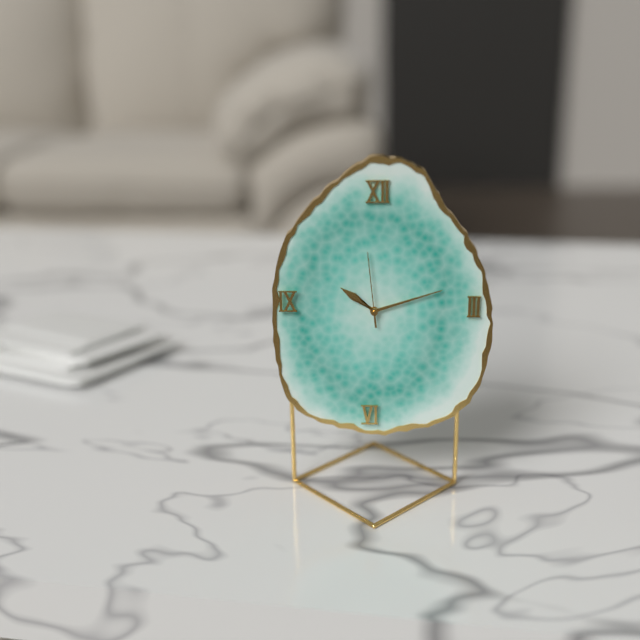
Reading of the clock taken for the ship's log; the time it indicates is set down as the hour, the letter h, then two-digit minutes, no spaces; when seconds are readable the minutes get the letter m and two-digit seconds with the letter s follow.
10h12m59s
